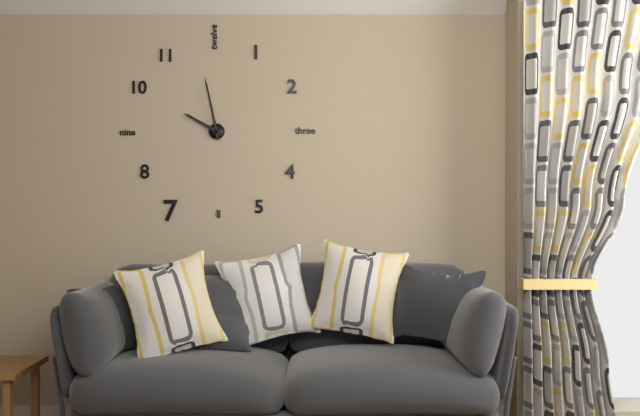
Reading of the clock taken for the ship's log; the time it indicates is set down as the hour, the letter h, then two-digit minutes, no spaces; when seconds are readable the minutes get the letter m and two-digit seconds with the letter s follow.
9h58
